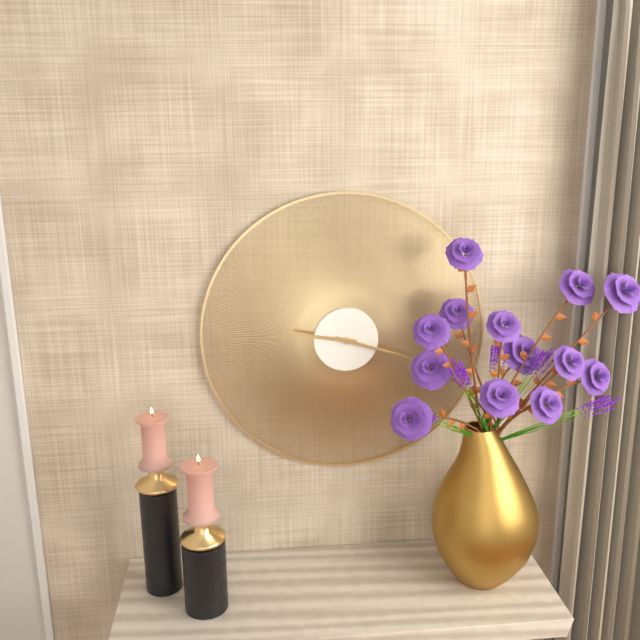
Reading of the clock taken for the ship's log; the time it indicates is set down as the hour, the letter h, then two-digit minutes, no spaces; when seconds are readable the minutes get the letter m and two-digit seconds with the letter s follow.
9h18
